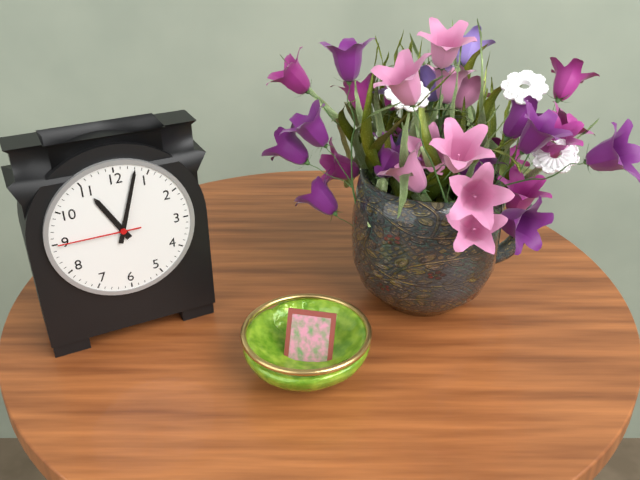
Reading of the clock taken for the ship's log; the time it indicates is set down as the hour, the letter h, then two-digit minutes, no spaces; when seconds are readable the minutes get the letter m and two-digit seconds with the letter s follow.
11h03m45s
